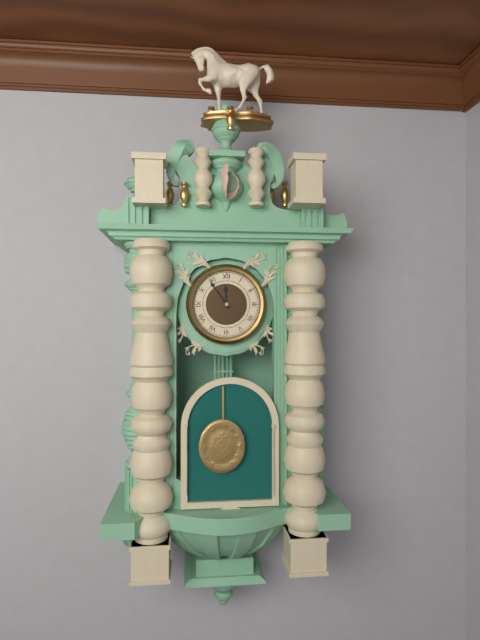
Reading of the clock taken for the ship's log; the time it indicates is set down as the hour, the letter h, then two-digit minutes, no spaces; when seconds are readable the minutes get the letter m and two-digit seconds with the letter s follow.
11h54
